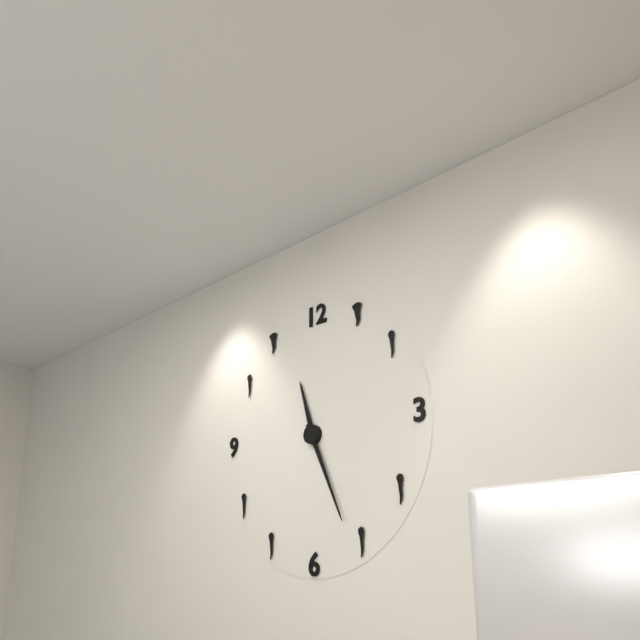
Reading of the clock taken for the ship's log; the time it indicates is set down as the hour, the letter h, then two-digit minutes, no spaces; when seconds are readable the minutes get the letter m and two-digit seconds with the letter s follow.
11h26
